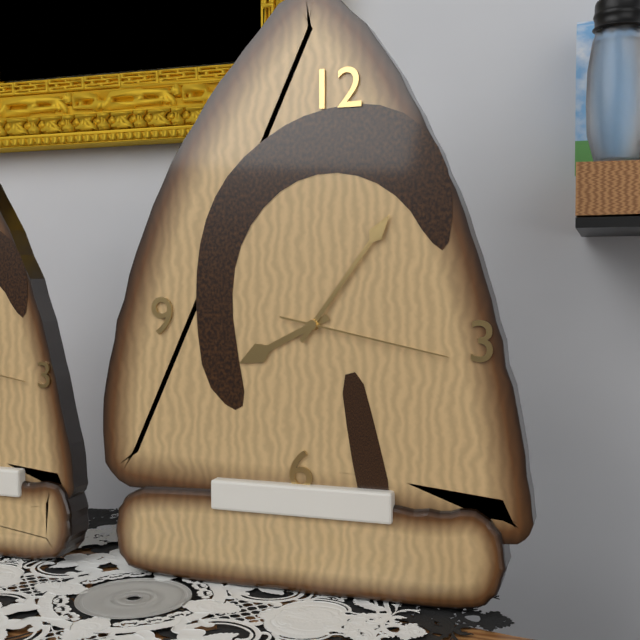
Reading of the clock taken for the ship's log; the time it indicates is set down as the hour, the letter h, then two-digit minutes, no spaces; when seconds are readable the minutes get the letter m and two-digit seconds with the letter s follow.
8h06m17s
